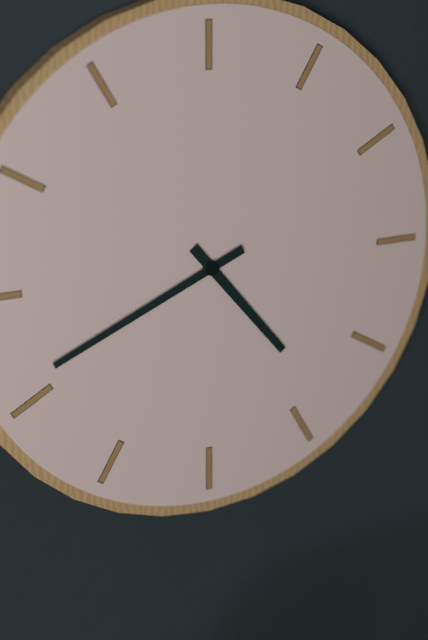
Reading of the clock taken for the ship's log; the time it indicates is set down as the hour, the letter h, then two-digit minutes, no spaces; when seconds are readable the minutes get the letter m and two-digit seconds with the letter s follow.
4h41
